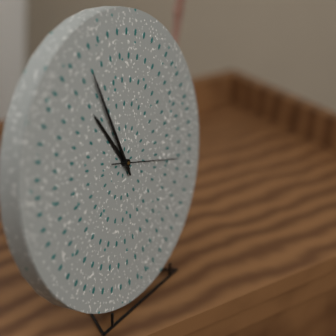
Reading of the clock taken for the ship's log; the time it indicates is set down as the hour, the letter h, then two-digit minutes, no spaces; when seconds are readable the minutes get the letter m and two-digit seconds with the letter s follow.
10h57m18s
